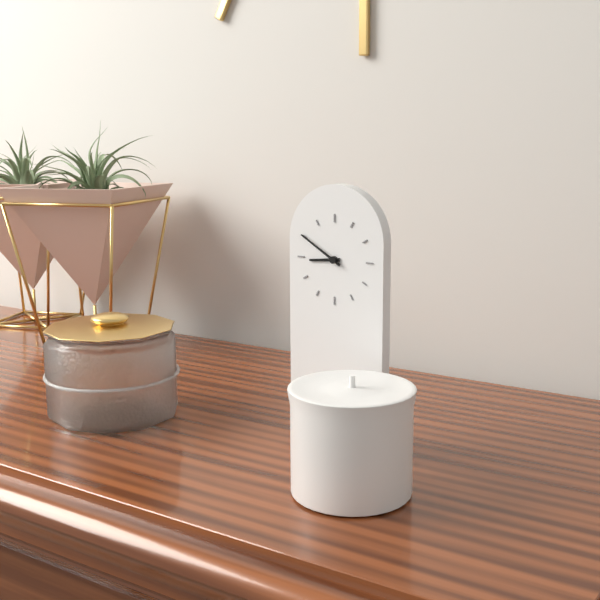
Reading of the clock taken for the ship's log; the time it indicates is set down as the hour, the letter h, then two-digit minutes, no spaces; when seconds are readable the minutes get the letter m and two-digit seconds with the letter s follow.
8h50
